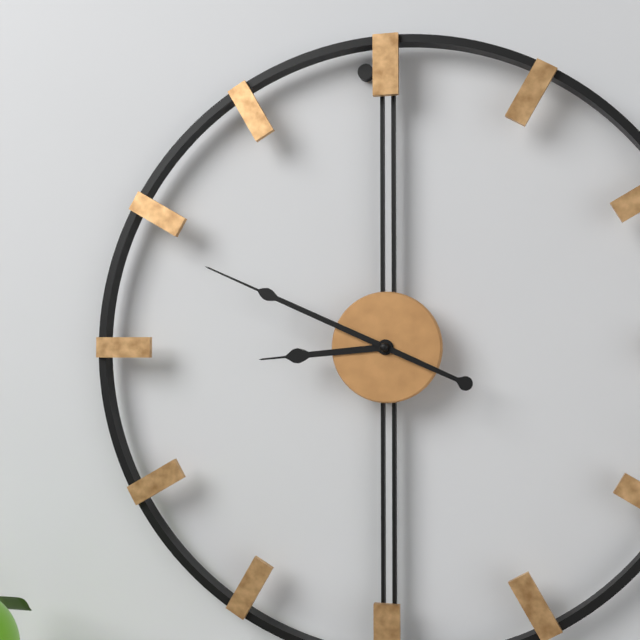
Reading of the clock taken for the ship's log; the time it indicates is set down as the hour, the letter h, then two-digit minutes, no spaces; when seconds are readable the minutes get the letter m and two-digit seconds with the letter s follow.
8h49
